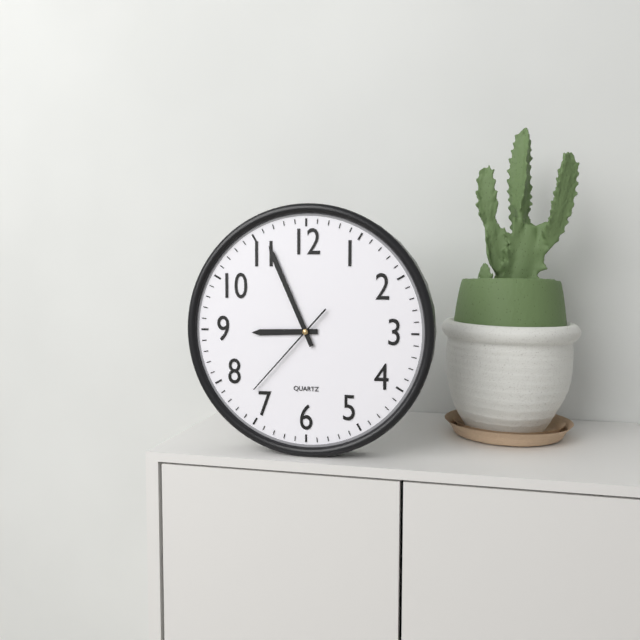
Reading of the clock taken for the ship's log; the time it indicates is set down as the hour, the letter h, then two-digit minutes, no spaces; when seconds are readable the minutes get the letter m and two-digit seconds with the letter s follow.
8h56m37s
